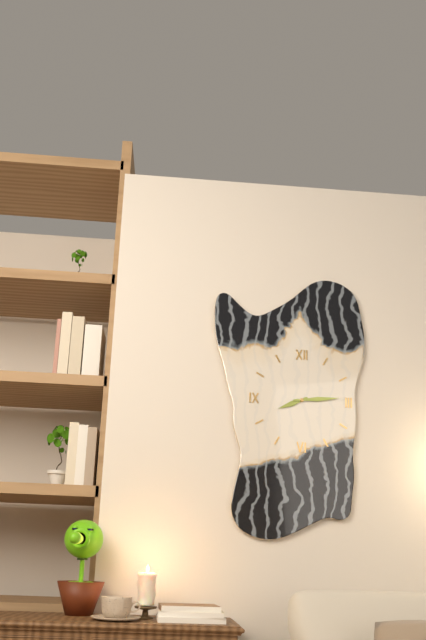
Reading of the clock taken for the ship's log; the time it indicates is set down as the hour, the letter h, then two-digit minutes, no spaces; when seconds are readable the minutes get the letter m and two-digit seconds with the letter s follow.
8h14
